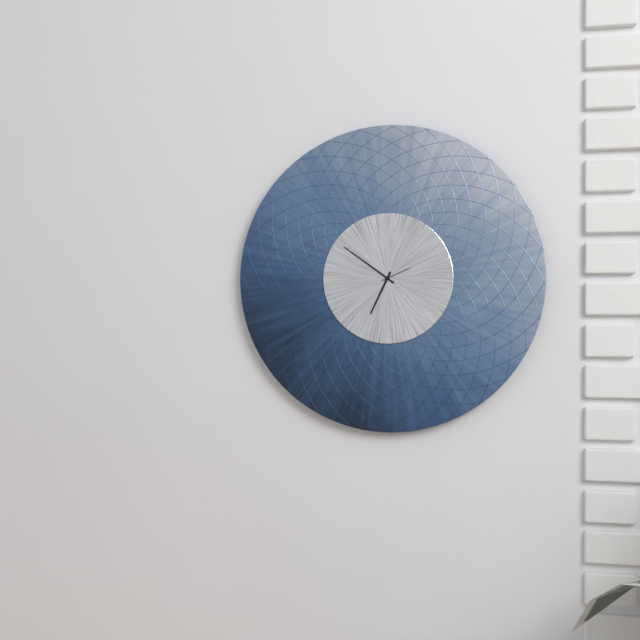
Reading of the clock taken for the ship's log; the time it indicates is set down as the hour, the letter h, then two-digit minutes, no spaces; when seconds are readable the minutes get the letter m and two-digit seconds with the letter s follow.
6h51
